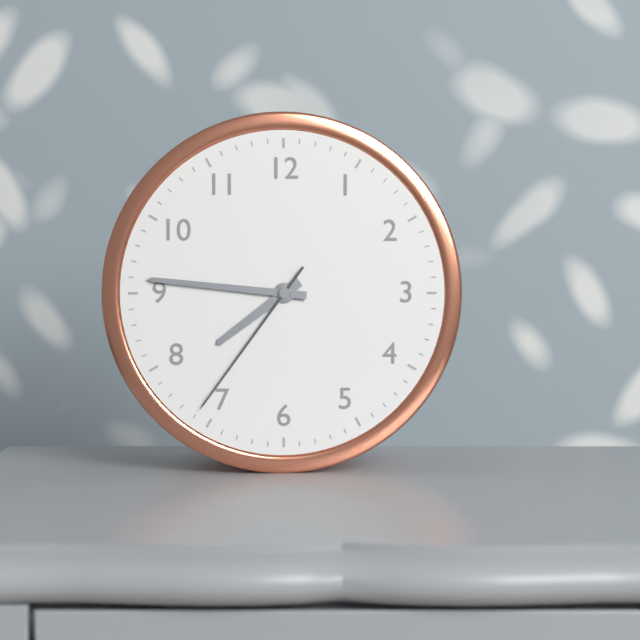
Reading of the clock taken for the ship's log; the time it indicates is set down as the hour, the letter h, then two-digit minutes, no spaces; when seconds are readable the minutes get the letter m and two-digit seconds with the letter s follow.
7h46m36s
